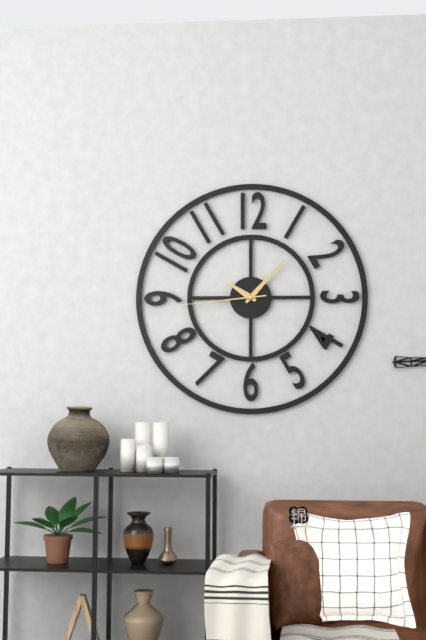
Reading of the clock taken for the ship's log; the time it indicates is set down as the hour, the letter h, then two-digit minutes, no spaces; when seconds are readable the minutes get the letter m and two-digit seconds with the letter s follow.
10h07m44s
